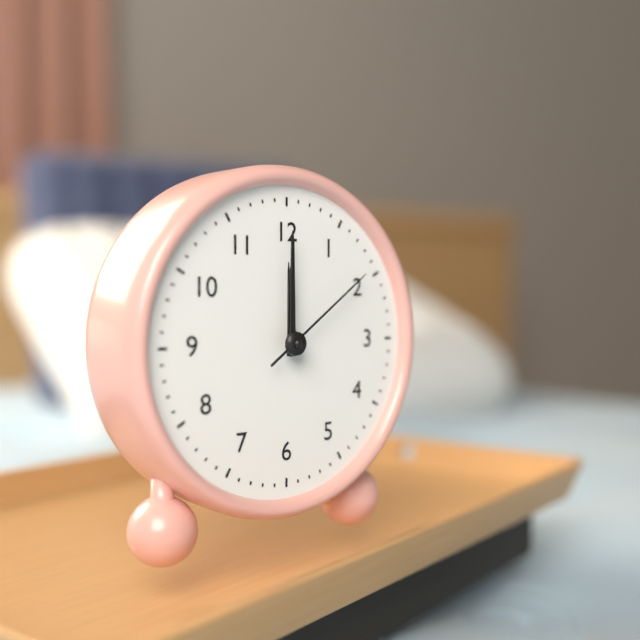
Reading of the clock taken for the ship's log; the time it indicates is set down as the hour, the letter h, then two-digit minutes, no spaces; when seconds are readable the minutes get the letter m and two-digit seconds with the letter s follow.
12h00m09s
